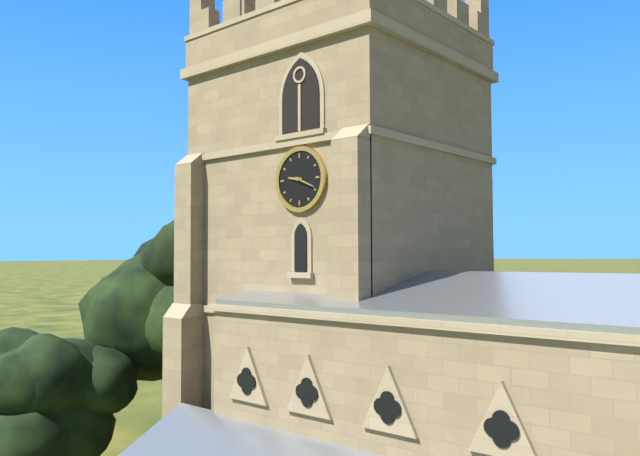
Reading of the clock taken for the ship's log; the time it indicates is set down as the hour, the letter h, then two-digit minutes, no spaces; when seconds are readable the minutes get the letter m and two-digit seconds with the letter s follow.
9h19
